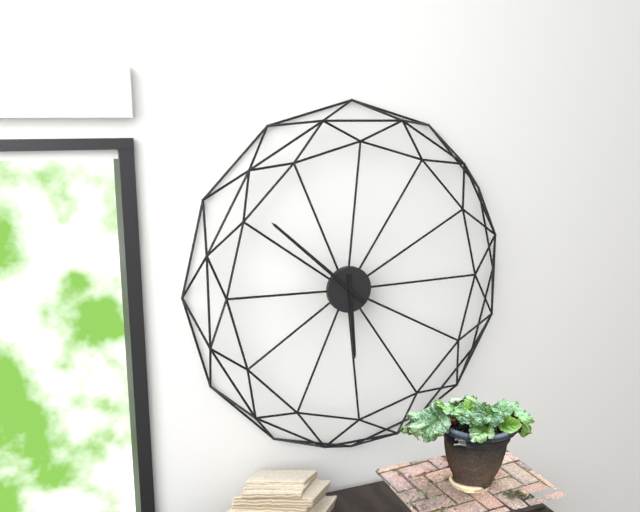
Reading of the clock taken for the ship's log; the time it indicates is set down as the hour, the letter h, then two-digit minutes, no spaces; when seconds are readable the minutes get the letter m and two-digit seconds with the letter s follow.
5h52
